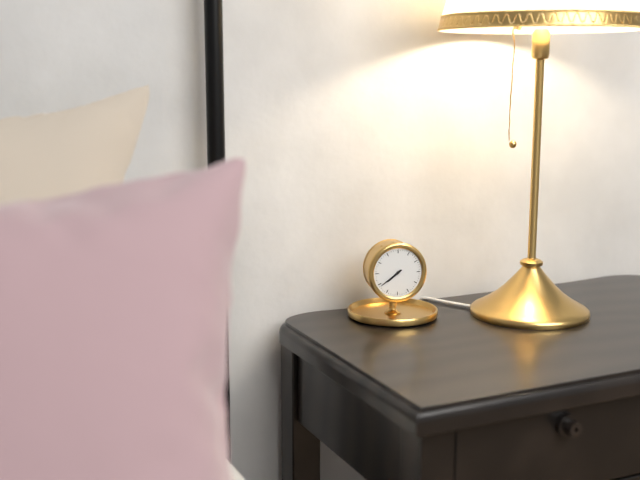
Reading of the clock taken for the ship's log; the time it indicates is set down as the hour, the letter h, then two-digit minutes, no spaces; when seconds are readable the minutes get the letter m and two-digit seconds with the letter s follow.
7h39
